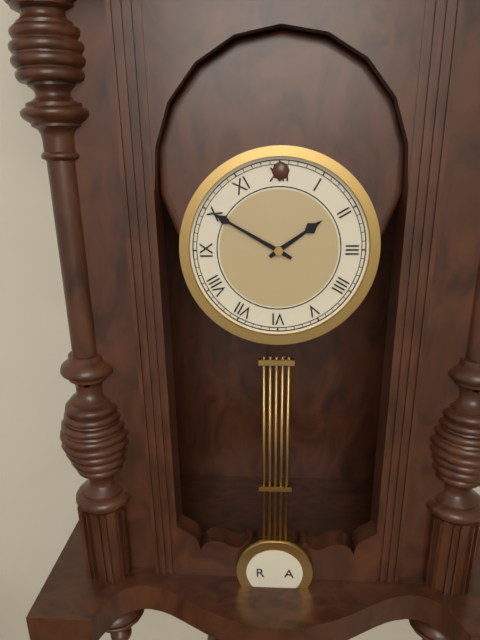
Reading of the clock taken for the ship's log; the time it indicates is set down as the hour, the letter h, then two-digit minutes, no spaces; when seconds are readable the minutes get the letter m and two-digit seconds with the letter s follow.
1h50
